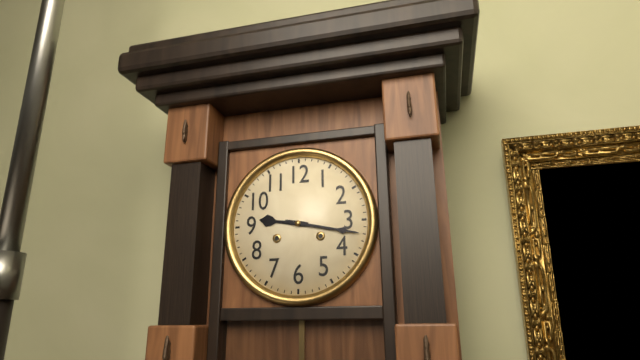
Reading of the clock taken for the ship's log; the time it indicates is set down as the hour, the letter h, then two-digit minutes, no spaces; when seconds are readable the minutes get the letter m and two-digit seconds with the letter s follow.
9h17
